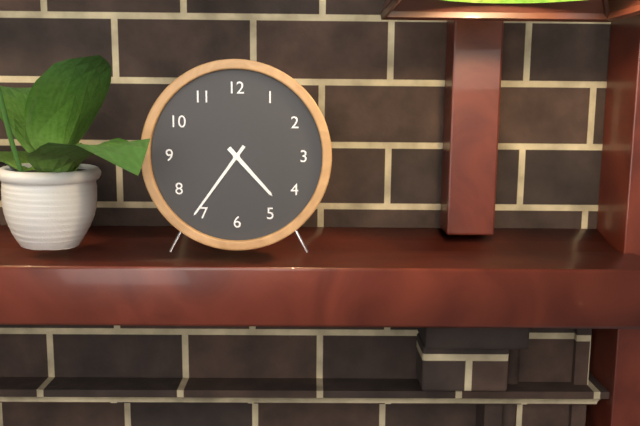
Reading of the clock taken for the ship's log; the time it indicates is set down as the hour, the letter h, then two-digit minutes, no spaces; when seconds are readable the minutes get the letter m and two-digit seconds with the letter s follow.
4h36
